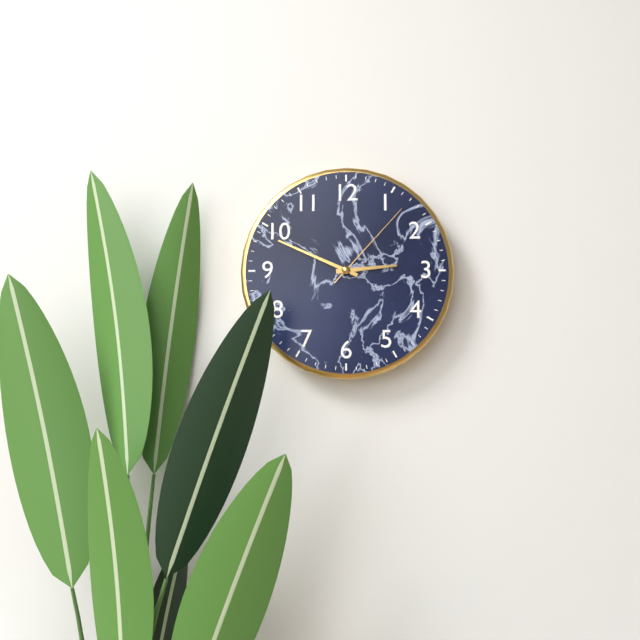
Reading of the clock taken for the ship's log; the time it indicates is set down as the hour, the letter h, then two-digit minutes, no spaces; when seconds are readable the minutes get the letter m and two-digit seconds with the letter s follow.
2h49m07s
